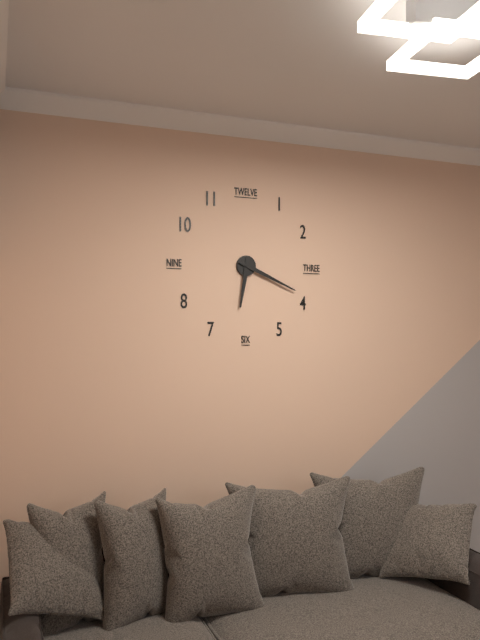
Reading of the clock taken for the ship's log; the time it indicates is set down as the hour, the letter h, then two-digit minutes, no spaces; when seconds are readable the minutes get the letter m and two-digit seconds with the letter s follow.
6h19
